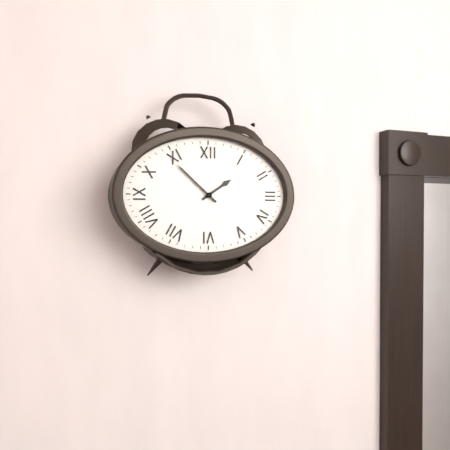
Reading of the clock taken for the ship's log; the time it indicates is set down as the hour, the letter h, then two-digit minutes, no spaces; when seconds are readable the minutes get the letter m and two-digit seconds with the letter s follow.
1h52
